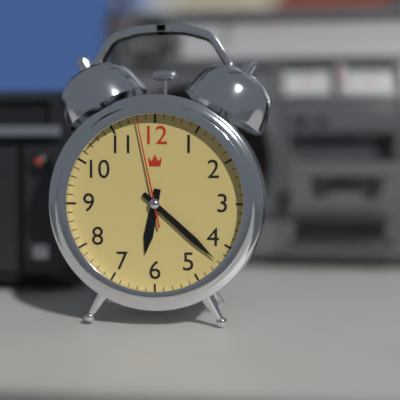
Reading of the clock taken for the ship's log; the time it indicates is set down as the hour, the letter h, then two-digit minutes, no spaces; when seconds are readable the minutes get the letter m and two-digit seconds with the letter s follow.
6h22m58s
